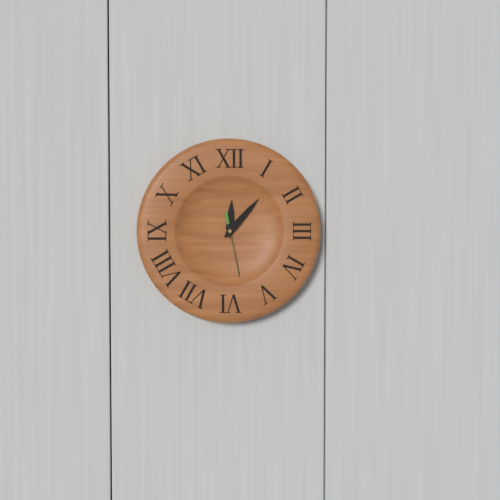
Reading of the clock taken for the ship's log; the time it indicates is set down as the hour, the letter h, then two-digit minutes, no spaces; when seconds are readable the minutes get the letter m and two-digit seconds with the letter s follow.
12h07m28s
